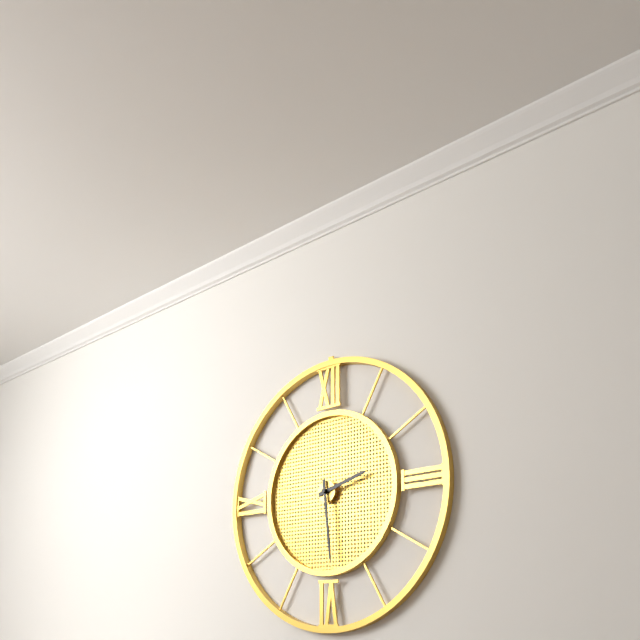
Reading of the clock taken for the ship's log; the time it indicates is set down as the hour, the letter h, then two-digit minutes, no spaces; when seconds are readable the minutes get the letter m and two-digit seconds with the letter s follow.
2h29
